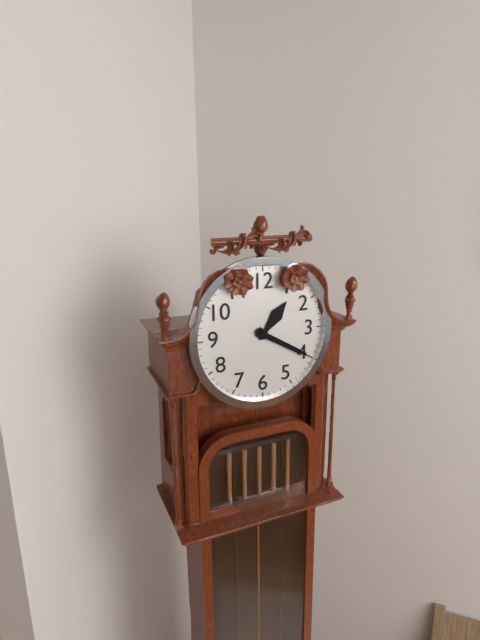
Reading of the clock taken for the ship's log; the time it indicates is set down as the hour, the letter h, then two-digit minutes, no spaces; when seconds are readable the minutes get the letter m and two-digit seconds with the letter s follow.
1h20
